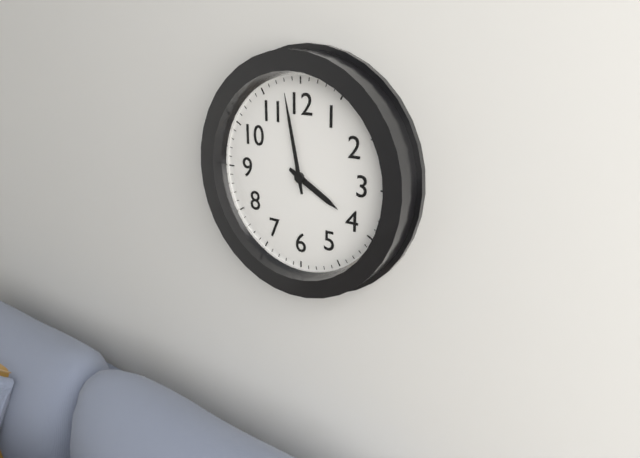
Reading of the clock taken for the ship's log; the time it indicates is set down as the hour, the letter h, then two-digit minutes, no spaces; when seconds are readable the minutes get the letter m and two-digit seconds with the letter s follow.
3h58
